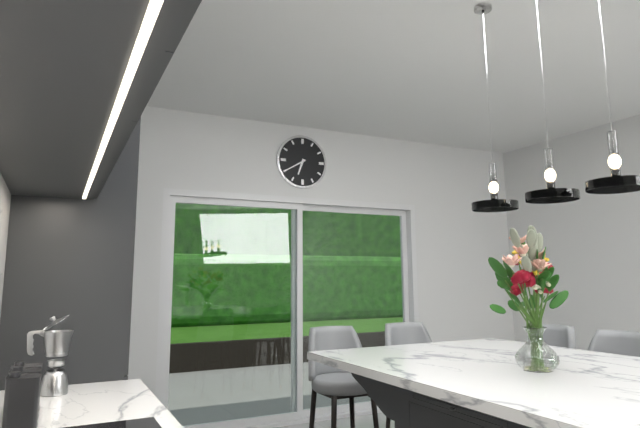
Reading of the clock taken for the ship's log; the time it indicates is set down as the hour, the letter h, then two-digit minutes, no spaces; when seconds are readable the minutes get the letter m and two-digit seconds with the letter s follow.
6h40
